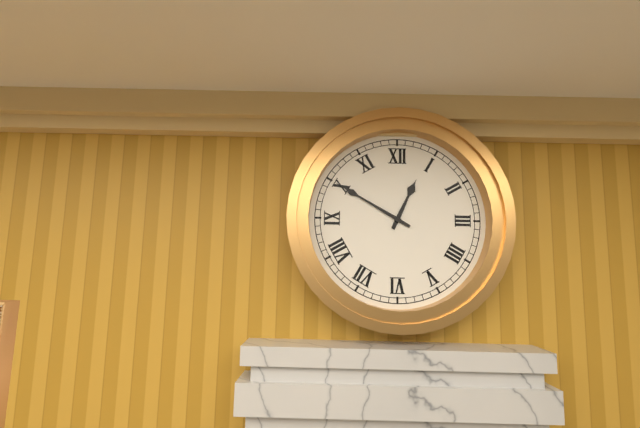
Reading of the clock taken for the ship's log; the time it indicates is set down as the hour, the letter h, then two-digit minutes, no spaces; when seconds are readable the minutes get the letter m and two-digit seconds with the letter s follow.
12h50
